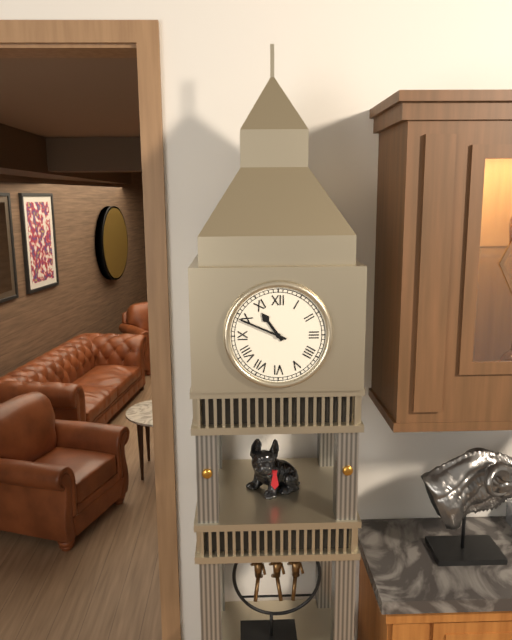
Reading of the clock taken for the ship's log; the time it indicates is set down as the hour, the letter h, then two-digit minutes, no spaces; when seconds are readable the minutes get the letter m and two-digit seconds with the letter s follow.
10h49
